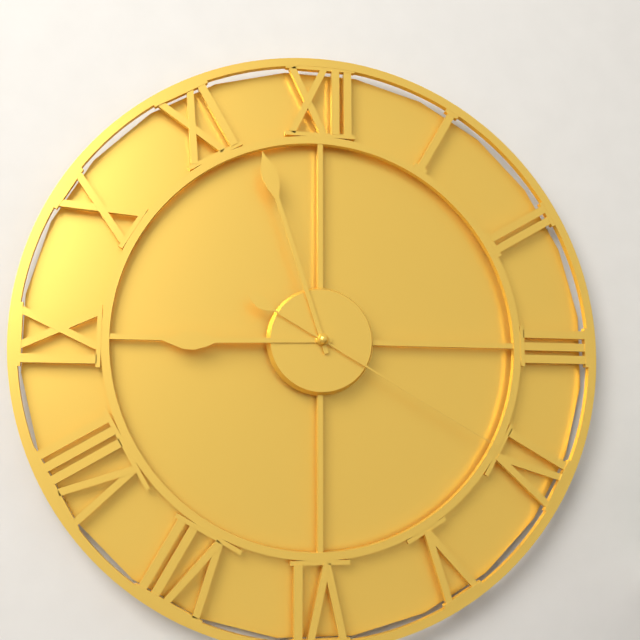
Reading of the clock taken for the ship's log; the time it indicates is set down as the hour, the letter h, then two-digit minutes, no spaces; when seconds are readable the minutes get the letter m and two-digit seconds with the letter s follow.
8h57m20s
